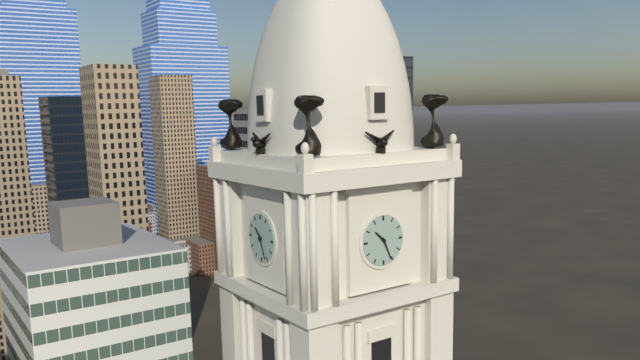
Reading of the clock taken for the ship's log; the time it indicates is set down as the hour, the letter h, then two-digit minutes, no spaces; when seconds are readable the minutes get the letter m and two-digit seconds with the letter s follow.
10h26
